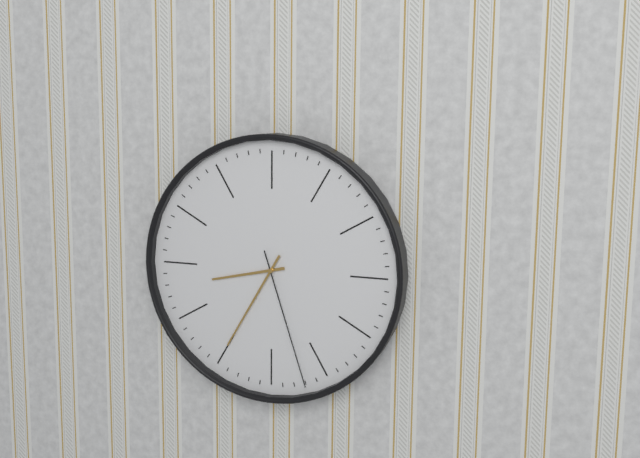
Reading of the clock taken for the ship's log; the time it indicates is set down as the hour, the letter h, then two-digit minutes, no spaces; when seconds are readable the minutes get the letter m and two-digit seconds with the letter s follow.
8h35m27s
